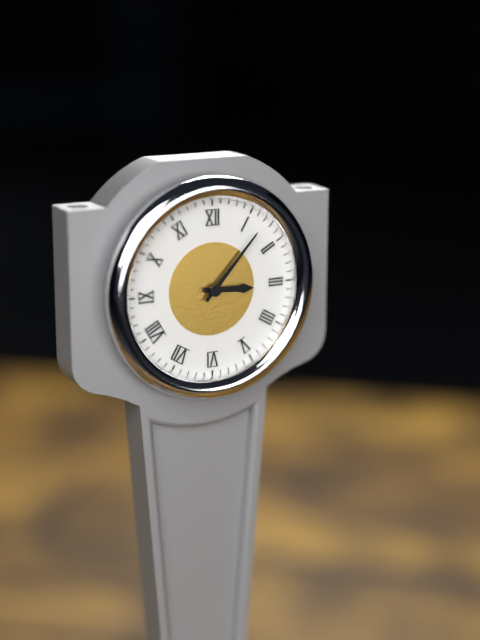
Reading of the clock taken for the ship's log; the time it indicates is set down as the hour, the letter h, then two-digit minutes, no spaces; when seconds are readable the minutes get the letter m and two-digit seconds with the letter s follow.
3h07
